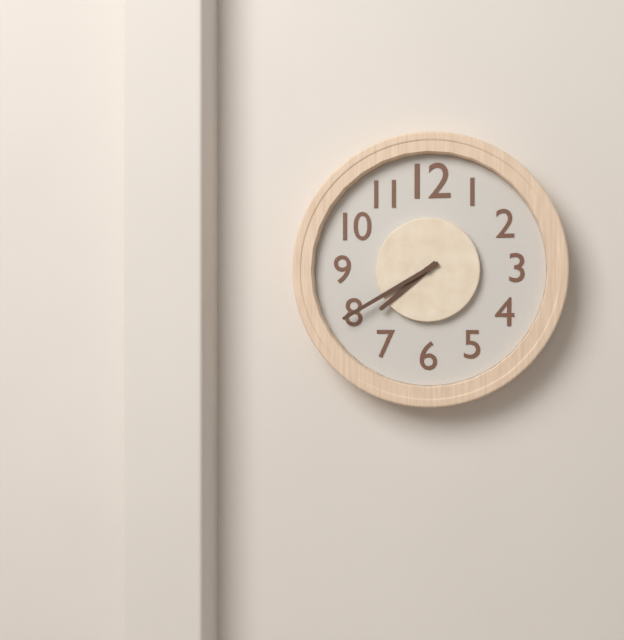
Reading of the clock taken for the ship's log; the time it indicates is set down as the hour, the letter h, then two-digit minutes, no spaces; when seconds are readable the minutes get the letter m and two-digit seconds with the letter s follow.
7h40
